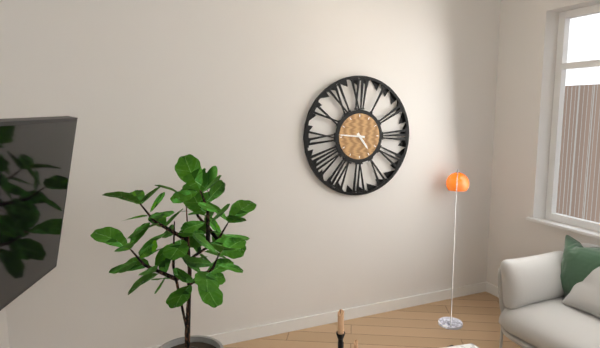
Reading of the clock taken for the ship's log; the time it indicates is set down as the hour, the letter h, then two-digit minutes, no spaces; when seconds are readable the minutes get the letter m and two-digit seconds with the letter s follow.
4h46
